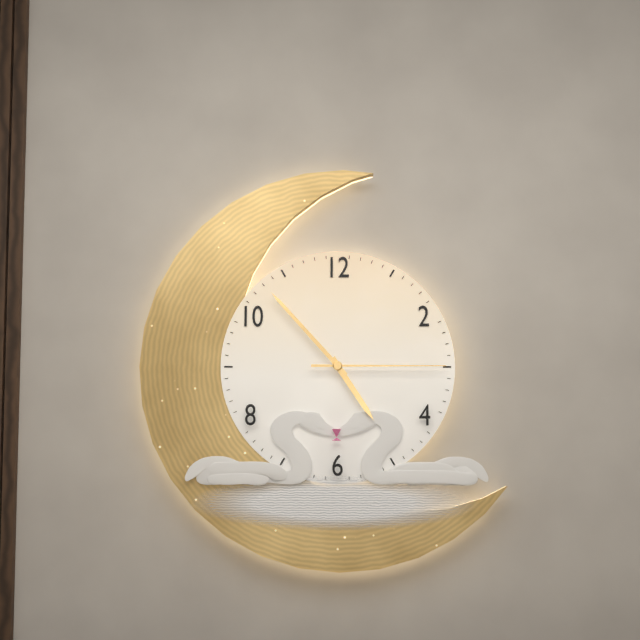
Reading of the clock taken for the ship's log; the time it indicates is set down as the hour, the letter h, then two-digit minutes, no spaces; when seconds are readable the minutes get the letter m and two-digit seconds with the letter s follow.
4h53m15s
